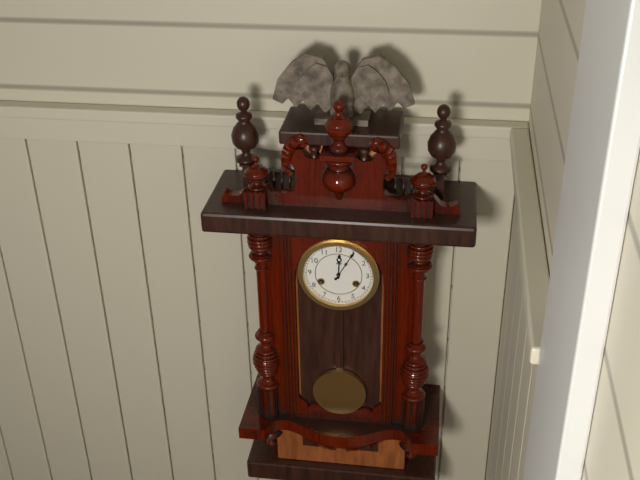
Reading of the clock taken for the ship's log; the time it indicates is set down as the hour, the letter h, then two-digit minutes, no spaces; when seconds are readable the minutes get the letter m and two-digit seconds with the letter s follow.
12h05
